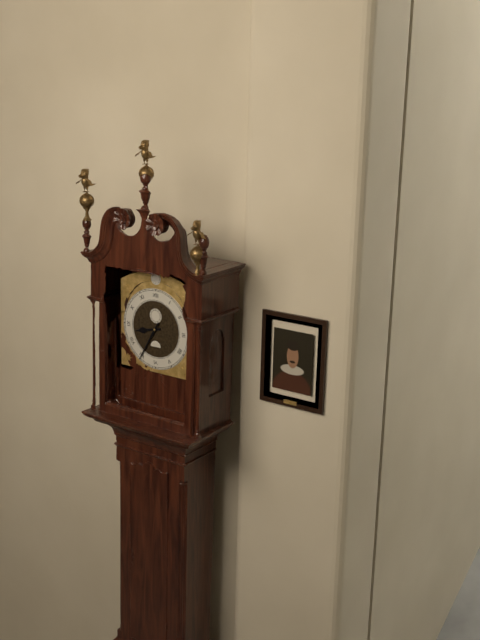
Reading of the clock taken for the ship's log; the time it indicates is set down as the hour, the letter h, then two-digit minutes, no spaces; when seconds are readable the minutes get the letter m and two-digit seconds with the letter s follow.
8h35
